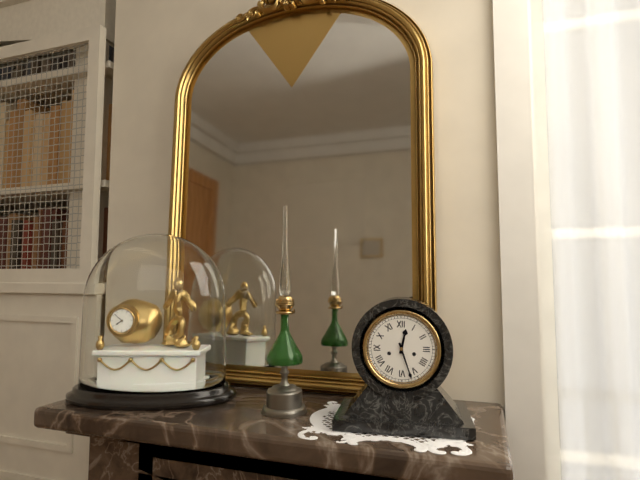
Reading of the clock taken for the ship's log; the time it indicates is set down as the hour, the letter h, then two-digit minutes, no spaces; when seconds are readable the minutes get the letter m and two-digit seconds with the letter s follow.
12h27
